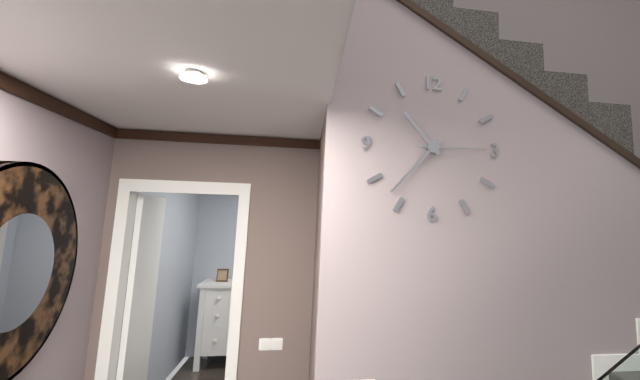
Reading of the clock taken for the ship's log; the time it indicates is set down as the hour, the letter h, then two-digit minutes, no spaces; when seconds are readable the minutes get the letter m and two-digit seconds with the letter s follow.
10h37m15s
